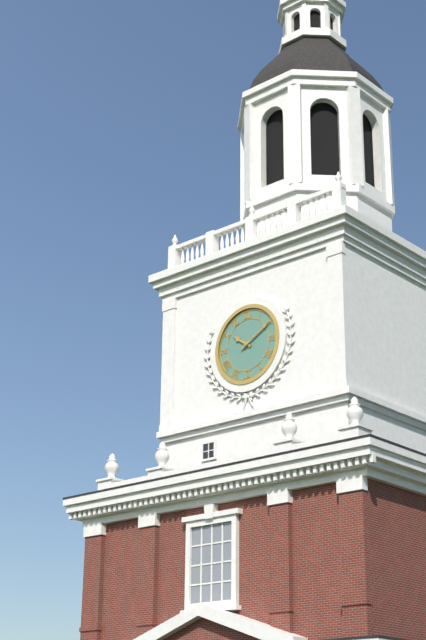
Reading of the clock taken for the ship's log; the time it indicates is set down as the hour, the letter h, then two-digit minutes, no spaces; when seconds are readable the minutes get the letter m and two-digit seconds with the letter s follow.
10h10
